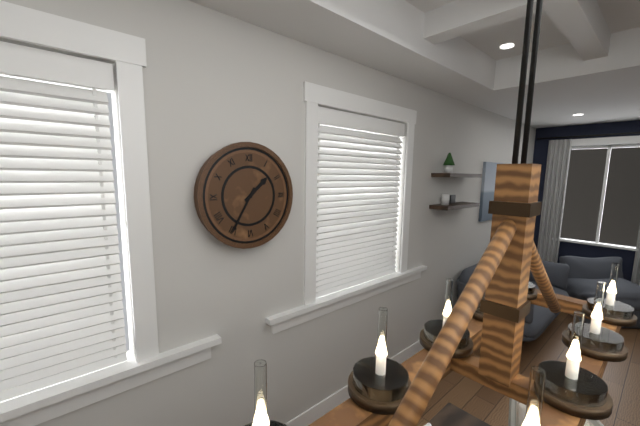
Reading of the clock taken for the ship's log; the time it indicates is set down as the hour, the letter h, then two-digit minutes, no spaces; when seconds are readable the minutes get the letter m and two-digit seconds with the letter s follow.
1h35
